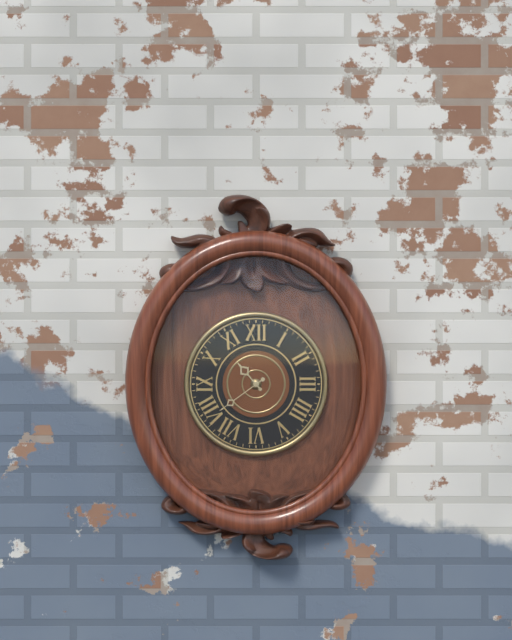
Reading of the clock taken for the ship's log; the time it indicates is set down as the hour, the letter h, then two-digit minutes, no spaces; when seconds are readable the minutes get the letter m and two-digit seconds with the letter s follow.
10h39
